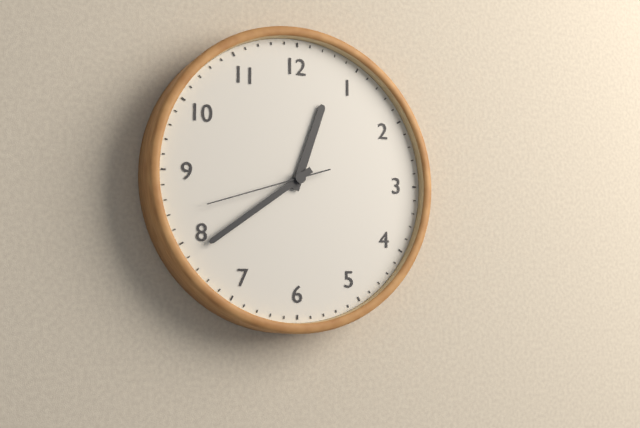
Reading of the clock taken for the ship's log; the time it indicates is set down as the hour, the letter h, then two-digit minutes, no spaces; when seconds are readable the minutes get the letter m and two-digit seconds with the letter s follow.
12h39m42s
